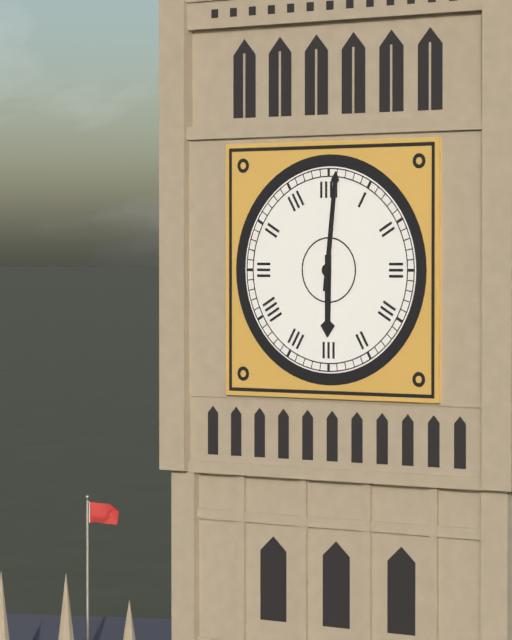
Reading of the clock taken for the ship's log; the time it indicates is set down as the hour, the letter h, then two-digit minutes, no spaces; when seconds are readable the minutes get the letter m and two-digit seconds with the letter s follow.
6h01
